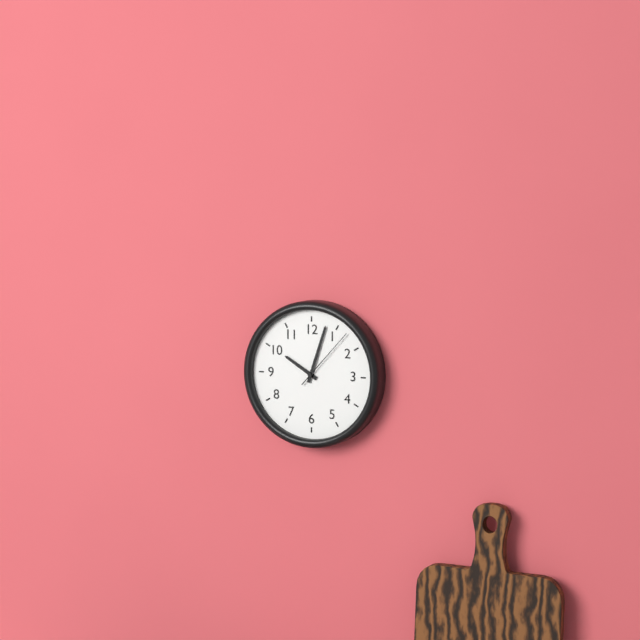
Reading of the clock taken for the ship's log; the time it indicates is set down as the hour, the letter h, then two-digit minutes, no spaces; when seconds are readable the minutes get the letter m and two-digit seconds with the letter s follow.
10h03m07s
